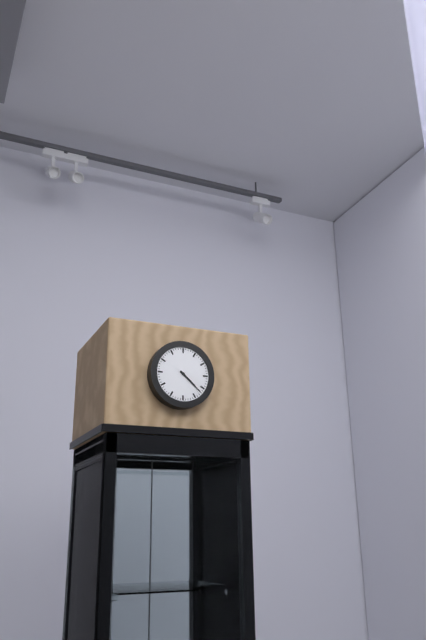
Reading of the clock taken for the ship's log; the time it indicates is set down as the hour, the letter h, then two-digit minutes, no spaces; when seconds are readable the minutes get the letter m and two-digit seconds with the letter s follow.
4h22
